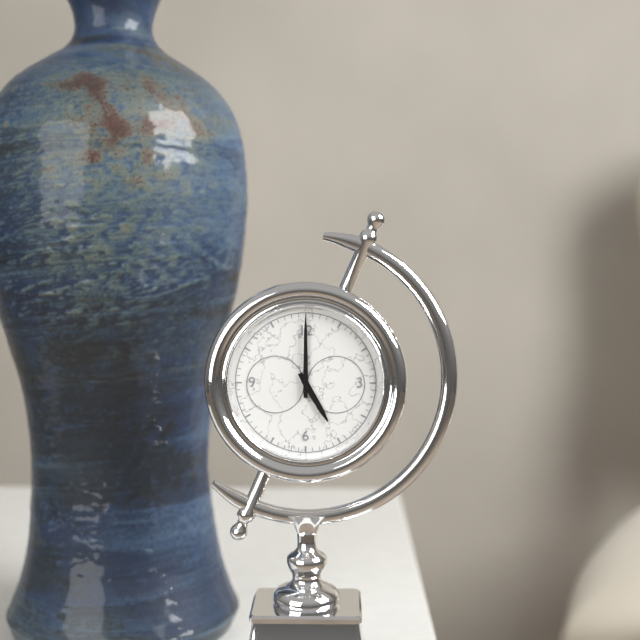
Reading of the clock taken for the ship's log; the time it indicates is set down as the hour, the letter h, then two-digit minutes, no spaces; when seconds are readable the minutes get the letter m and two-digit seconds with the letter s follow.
5h00
